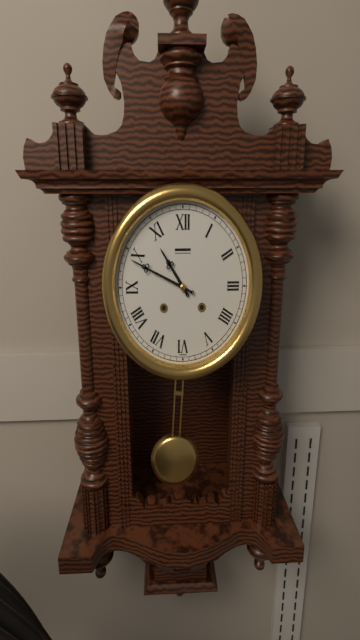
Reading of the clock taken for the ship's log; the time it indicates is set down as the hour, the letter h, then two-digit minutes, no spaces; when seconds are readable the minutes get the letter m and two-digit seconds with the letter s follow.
10h49
